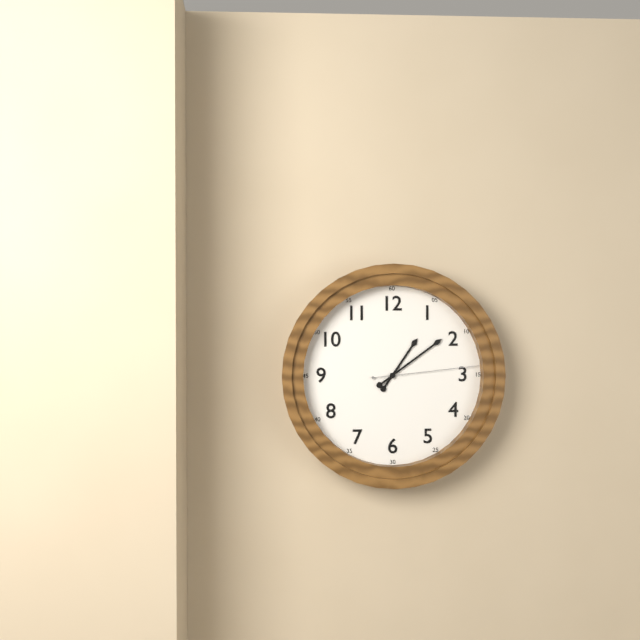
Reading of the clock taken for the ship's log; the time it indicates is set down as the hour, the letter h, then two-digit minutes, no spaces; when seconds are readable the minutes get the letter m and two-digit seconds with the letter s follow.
1h09m14s
